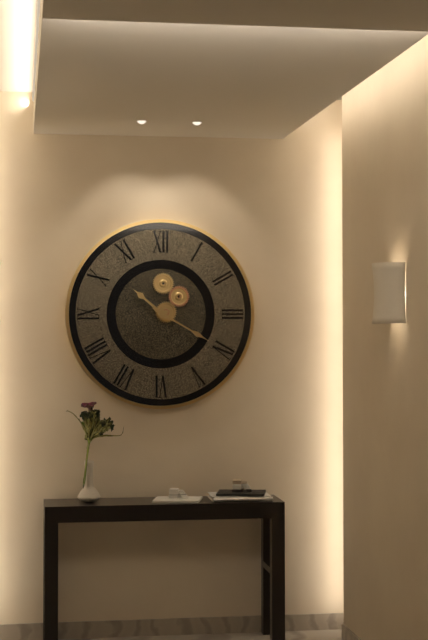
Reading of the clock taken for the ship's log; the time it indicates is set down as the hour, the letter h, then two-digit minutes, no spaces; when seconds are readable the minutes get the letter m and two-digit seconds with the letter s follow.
10h20
